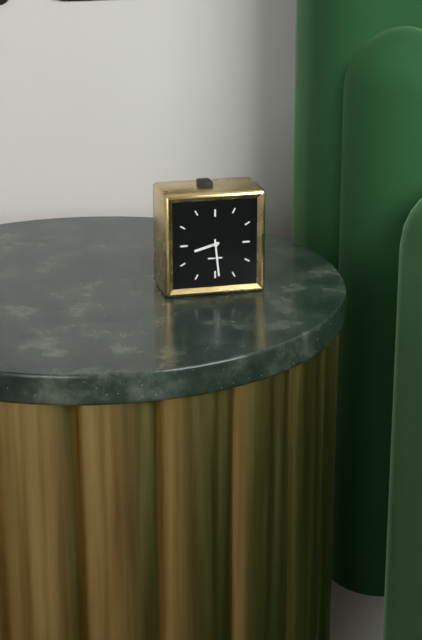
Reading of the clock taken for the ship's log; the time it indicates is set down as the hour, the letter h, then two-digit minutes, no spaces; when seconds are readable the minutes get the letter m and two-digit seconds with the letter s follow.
8h29
